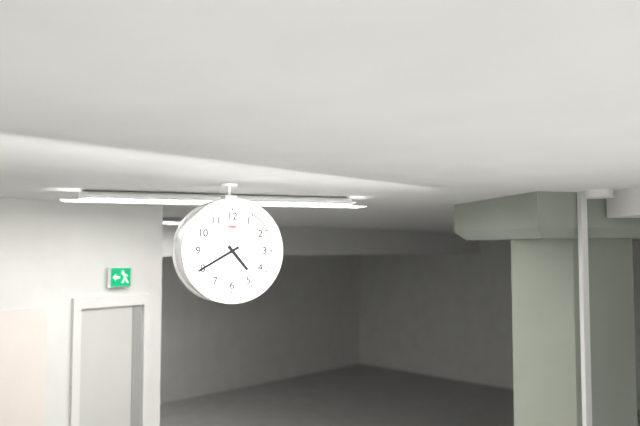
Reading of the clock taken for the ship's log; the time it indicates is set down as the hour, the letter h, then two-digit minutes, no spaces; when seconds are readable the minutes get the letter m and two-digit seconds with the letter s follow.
4h40
